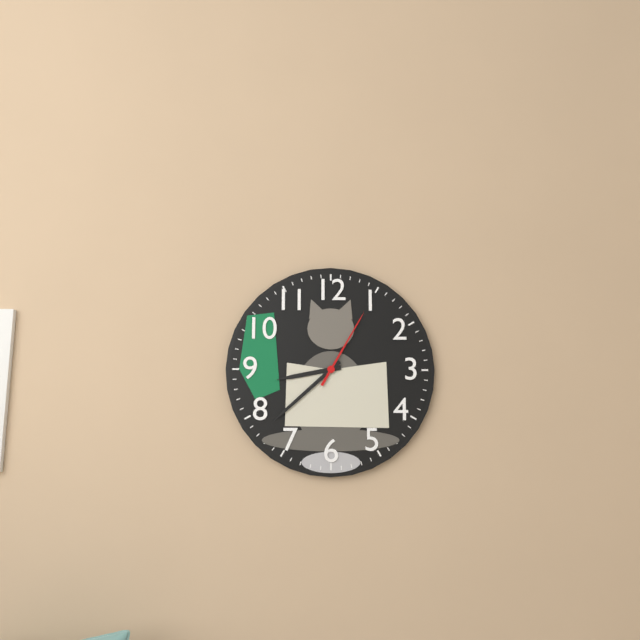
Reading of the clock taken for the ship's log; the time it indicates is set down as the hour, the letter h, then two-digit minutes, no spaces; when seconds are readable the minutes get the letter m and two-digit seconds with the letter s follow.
8h38m05s
